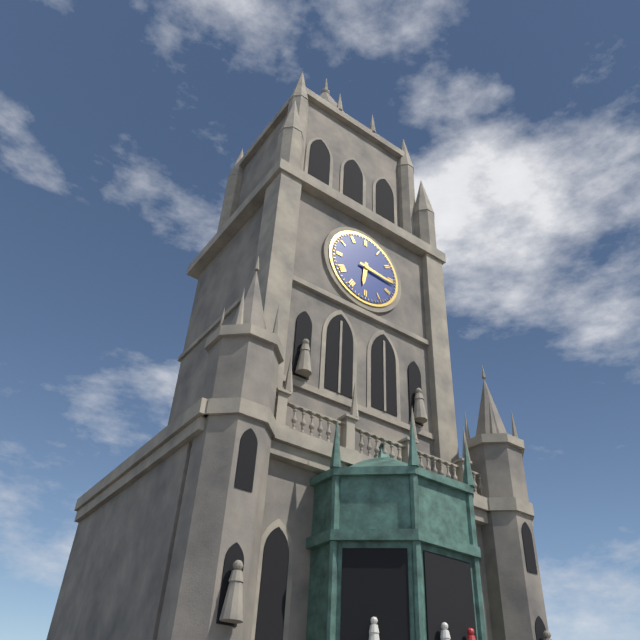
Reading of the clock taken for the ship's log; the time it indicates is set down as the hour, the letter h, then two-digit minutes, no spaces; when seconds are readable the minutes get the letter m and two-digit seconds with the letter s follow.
6h16
